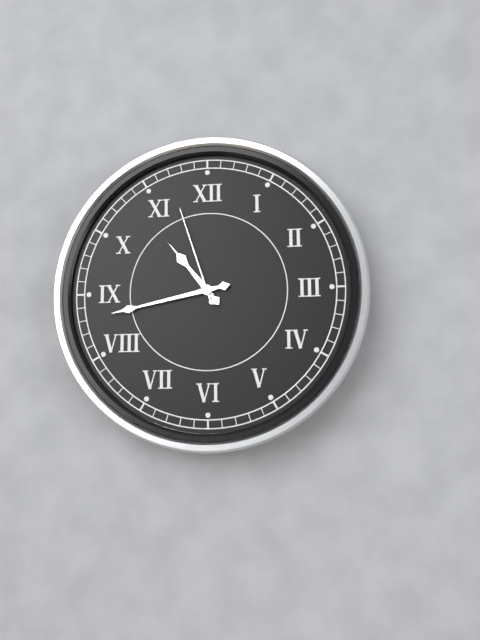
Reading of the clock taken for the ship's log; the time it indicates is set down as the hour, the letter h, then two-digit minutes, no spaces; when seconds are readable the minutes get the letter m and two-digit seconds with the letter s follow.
10h43m57s
